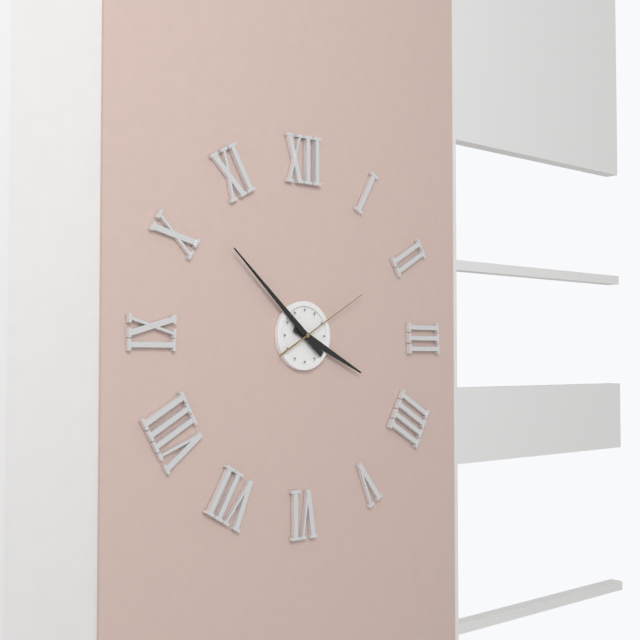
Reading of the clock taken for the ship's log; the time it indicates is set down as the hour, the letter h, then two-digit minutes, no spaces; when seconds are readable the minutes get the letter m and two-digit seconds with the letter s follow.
3h52m10s
